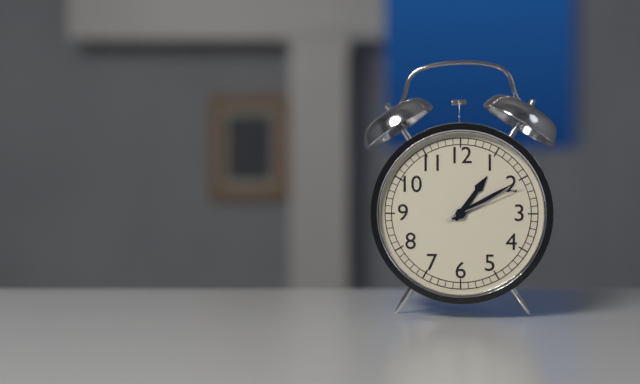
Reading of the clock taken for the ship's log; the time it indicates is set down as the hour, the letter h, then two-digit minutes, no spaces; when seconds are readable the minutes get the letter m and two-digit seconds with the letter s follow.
1h10m11s
